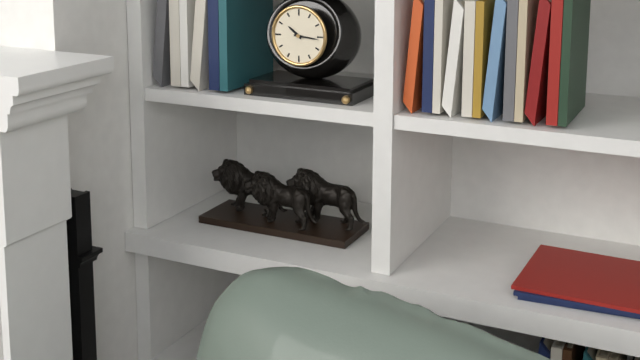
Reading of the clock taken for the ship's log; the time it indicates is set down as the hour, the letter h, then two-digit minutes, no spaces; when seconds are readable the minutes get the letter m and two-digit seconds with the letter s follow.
10h16
